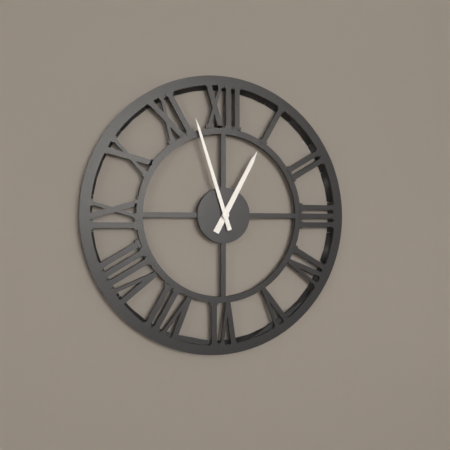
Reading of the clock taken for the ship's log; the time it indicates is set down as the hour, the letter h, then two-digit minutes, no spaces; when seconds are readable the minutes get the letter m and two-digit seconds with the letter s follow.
12h57
